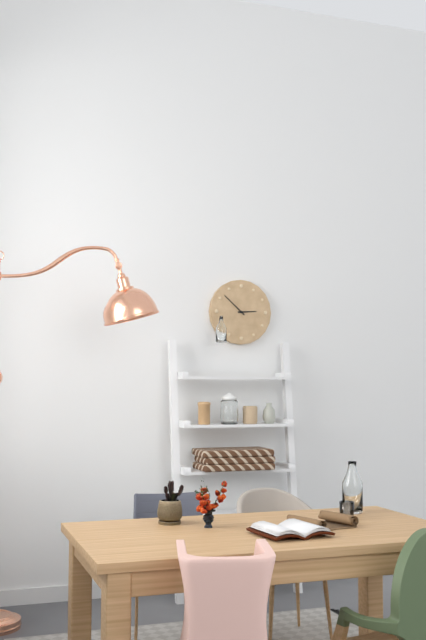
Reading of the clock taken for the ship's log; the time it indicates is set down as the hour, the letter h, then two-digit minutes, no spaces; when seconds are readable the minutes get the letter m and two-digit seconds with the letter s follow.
2h52
